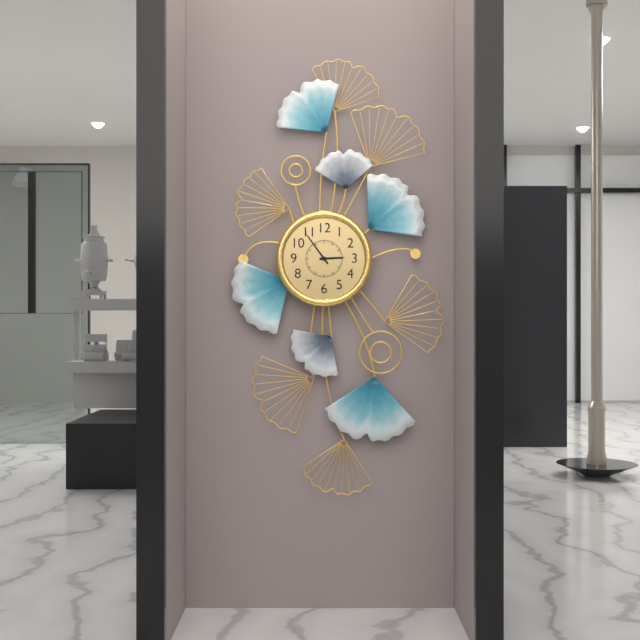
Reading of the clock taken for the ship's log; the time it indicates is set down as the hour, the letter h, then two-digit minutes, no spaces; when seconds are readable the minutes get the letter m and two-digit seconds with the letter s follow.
2h54
